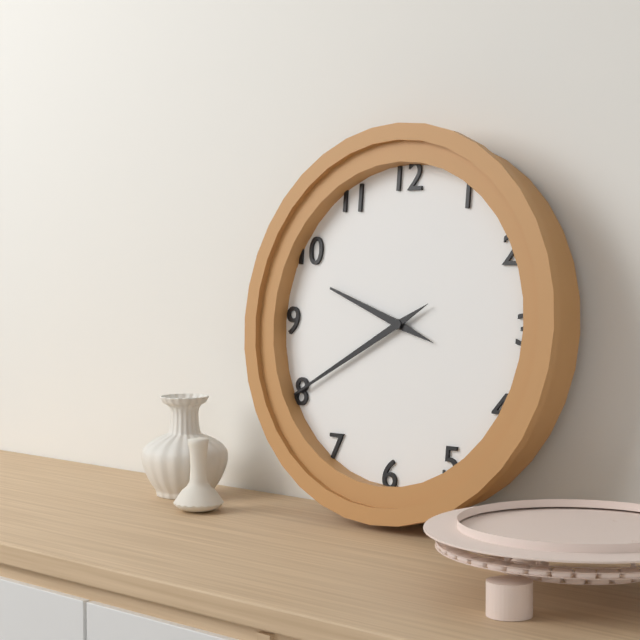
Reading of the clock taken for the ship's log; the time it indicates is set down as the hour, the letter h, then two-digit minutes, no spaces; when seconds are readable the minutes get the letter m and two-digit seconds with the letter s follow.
9h40
